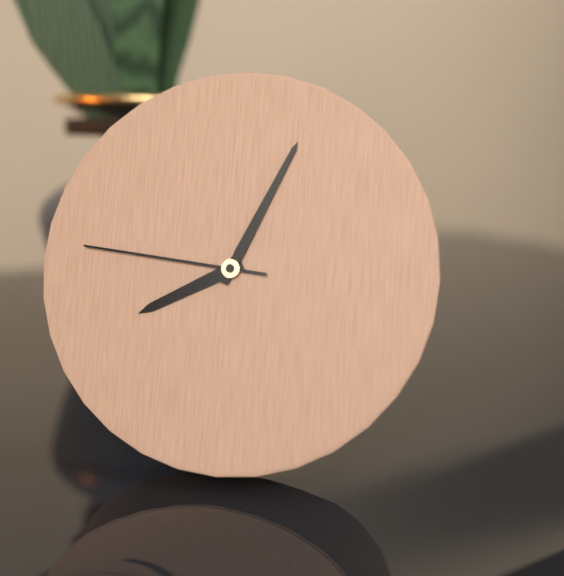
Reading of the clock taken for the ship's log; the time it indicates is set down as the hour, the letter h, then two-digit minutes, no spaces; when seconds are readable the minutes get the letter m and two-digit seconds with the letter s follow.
8h04m46s
